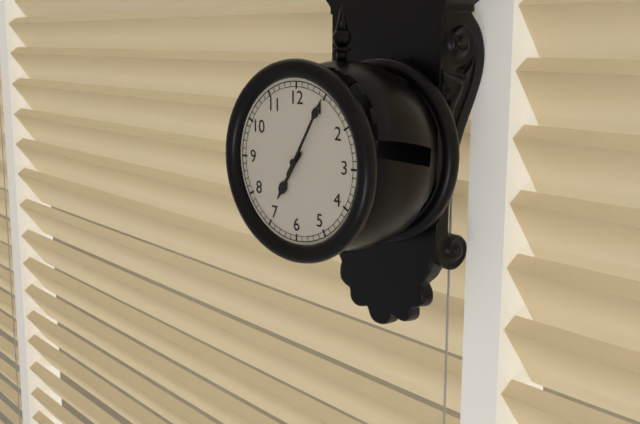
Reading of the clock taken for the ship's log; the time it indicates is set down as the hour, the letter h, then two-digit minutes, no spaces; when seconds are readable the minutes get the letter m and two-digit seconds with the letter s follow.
7h05
